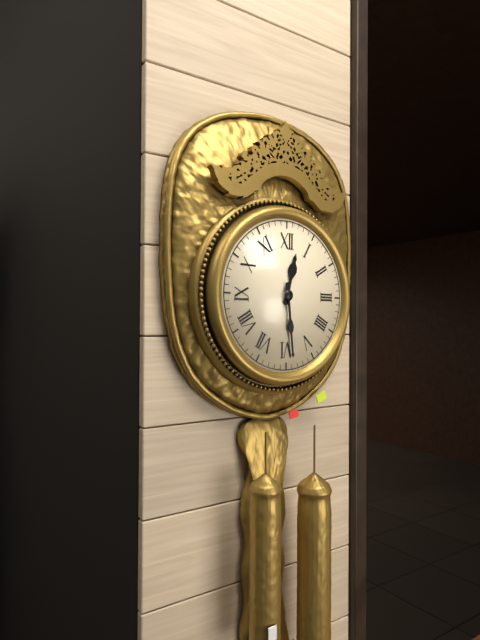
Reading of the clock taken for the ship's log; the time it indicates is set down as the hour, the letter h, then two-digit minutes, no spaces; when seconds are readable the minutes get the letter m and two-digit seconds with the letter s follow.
12h29
